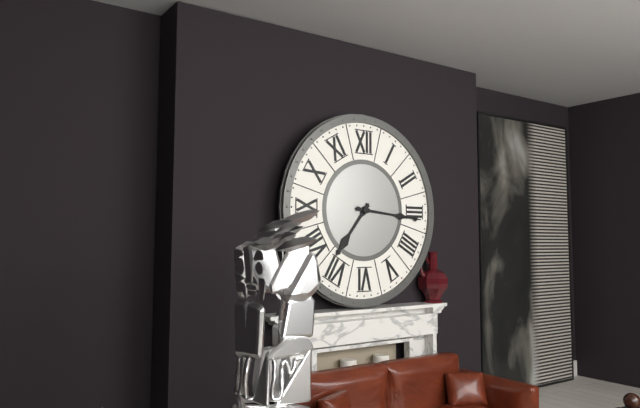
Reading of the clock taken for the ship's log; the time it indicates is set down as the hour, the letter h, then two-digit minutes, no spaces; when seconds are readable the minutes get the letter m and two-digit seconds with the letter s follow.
7h16
